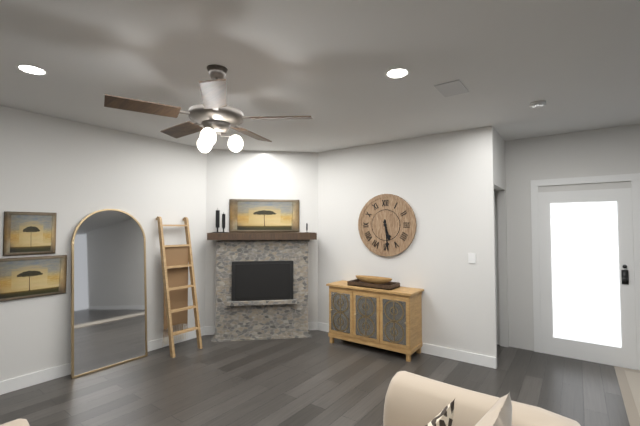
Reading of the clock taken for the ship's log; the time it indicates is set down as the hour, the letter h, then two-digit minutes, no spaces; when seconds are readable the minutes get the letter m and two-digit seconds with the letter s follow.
5h29
